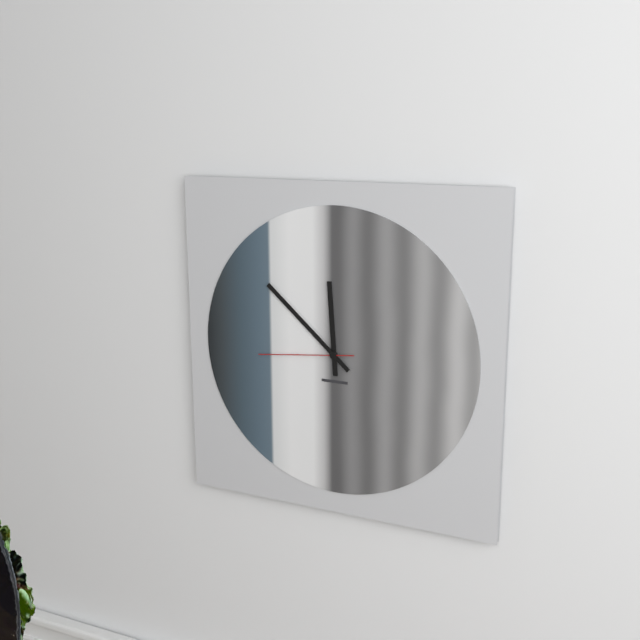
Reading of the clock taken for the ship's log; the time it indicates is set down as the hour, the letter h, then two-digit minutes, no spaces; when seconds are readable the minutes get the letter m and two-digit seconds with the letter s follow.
11h52m44s
